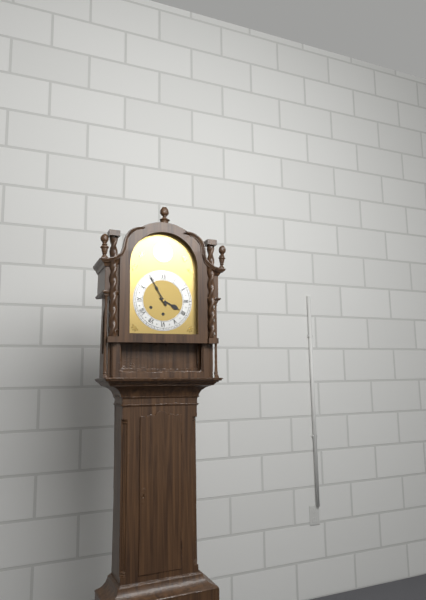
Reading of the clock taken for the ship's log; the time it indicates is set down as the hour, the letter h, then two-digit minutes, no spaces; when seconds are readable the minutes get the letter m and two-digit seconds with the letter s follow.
3h55
